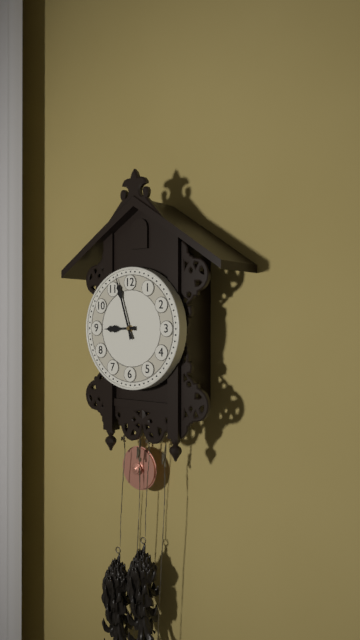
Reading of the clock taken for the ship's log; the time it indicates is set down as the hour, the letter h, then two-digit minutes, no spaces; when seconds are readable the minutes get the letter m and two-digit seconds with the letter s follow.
8h57
